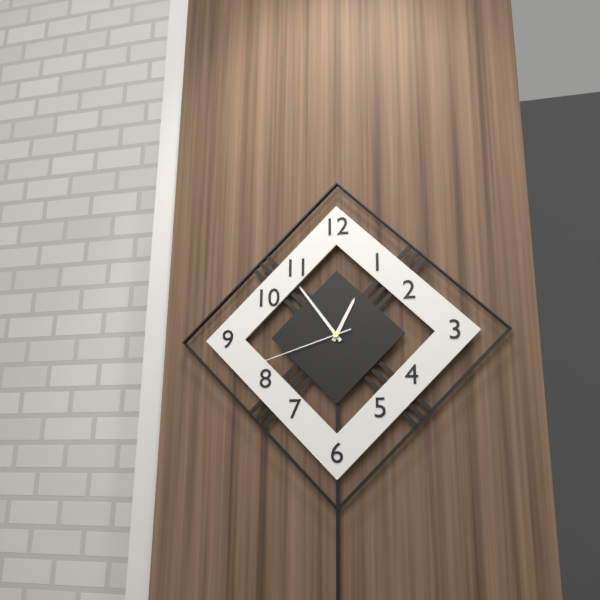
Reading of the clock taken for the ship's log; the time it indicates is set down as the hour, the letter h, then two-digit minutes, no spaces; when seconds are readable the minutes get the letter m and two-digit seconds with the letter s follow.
12h54m42s
